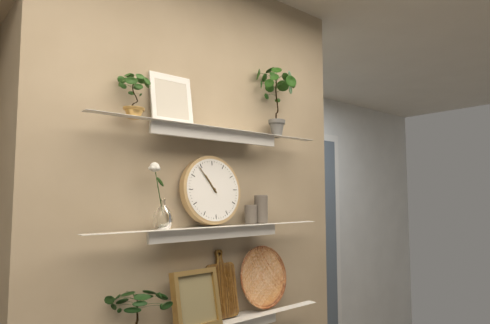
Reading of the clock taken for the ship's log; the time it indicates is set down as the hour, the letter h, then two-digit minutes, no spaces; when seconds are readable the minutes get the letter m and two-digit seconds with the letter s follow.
10h54
